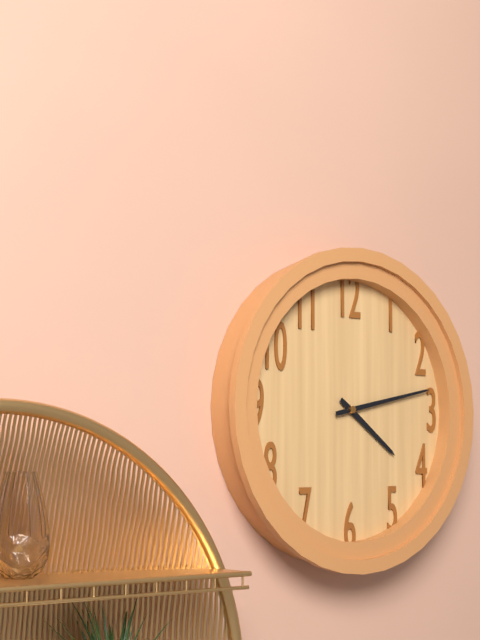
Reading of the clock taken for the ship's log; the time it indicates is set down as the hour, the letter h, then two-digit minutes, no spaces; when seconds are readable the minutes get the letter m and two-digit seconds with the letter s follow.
4h13
